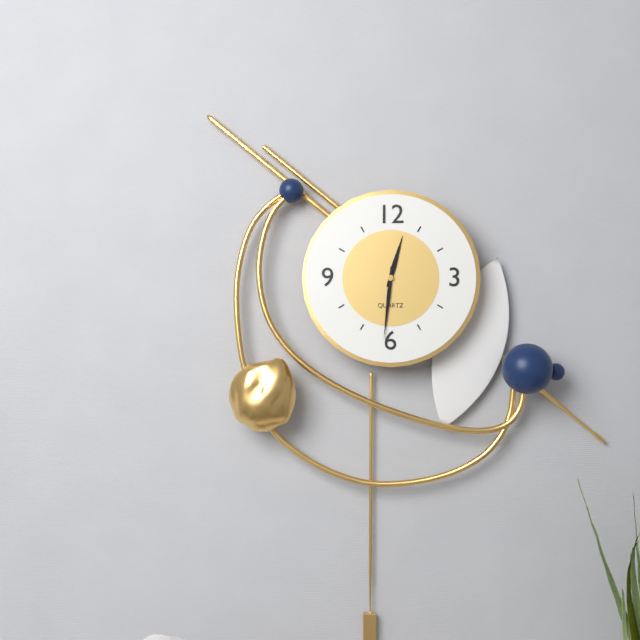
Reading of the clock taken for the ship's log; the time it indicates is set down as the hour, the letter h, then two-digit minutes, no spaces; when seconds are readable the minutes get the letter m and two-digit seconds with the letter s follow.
12h31
